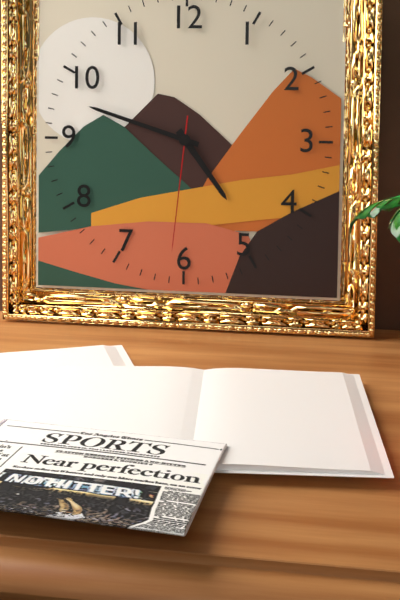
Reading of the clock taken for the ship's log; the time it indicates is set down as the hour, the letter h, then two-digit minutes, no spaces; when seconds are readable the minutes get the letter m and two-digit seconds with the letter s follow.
4h48m31s
